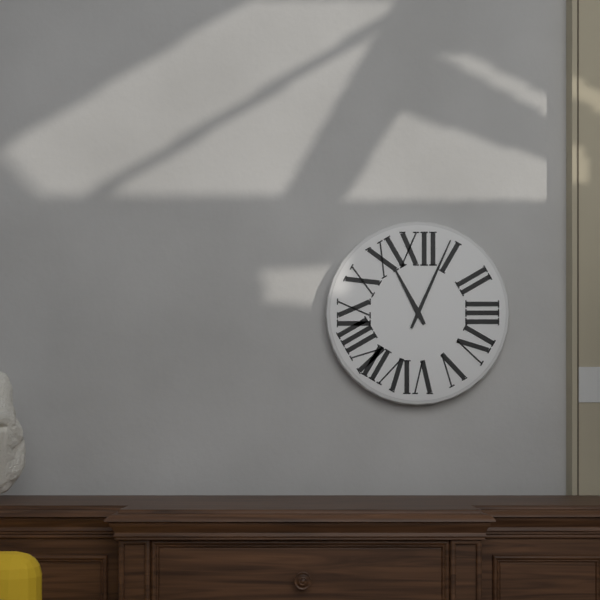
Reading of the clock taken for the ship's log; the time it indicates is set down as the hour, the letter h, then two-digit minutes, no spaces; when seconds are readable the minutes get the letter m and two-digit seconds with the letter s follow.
11h04
